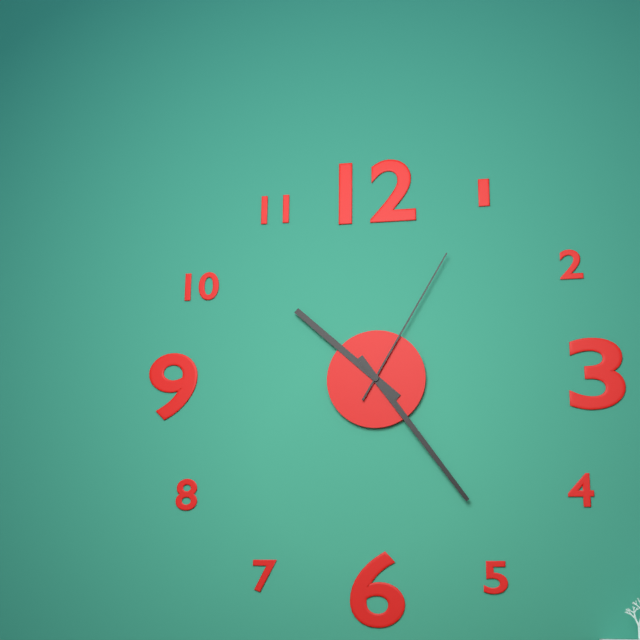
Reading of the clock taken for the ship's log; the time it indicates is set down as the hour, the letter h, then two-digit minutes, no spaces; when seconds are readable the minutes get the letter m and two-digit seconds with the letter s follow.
10h24m05s
